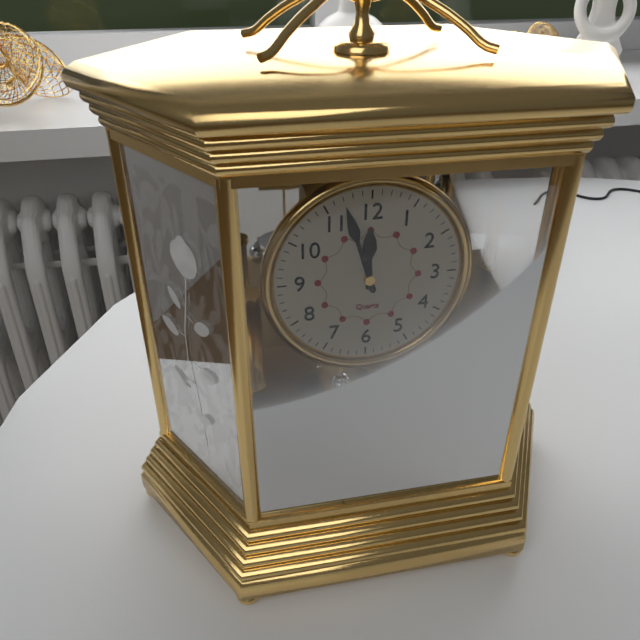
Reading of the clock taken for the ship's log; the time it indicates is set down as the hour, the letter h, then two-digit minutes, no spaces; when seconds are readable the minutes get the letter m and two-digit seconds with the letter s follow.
11h57
